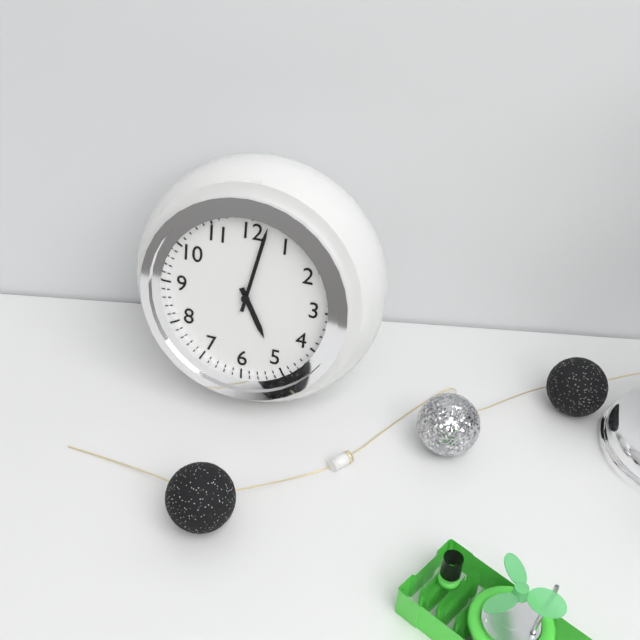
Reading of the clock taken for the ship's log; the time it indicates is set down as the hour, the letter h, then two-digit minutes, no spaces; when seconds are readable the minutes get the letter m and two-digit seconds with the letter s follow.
5h02
